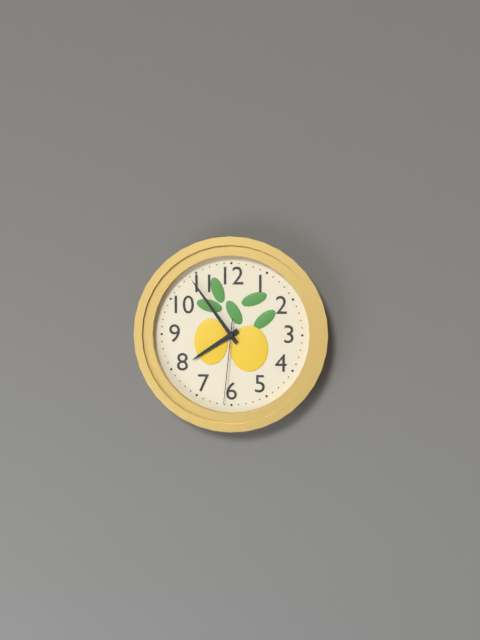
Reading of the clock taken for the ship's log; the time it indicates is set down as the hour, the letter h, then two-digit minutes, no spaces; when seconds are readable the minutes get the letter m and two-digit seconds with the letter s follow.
7h54m31s
